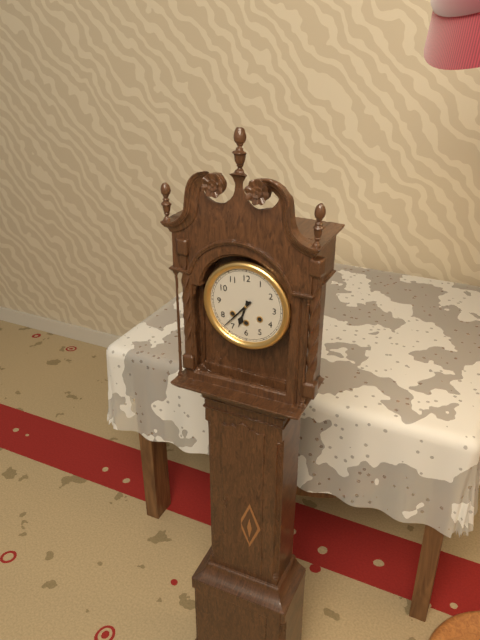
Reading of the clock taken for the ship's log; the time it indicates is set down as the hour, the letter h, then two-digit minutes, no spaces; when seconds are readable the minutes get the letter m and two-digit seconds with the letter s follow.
6h37
